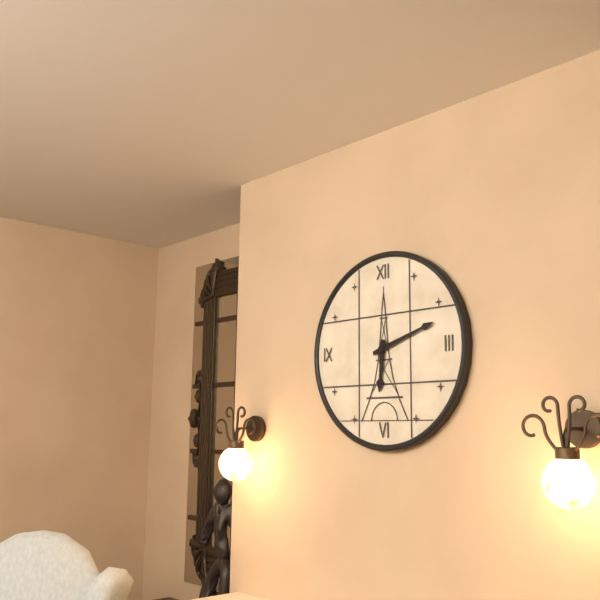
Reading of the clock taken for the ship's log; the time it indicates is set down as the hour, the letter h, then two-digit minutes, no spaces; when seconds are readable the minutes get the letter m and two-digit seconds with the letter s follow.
6h12
